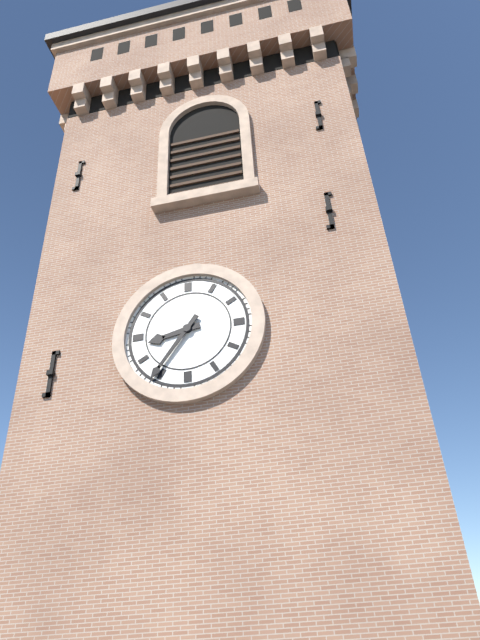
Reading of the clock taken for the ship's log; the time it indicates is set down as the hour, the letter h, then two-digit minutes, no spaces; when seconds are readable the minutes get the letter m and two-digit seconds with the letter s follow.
8h36
